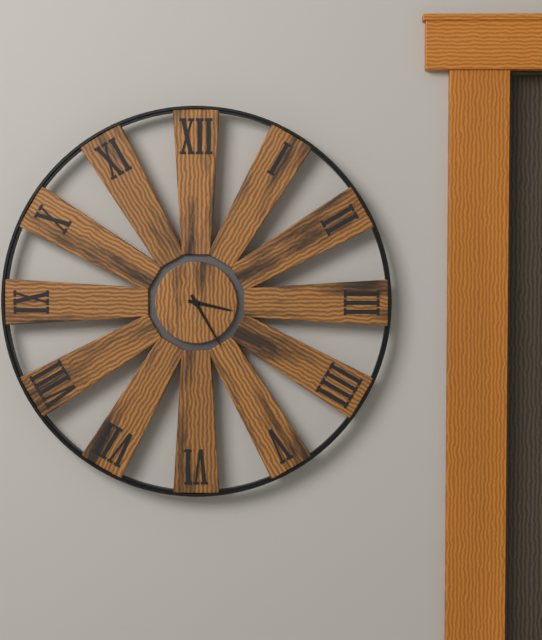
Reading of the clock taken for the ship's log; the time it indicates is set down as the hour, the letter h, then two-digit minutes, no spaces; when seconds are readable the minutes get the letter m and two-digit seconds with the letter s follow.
3h25
